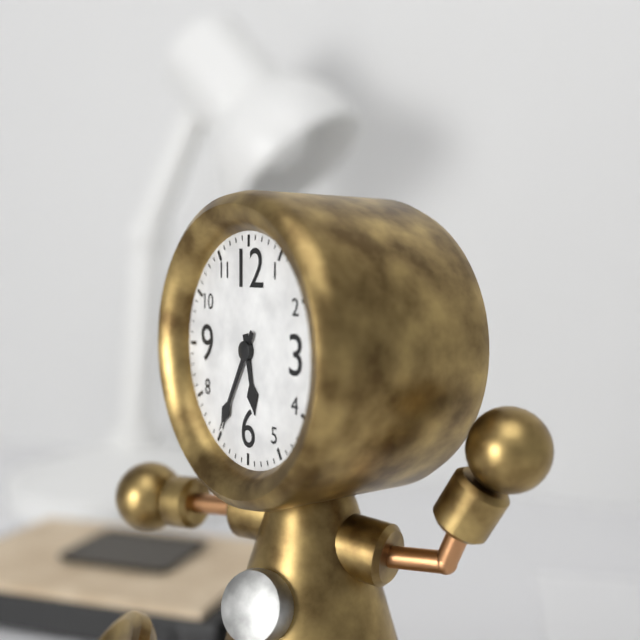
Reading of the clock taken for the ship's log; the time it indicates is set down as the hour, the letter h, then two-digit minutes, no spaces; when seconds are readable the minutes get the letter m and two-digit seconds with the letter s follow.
5h35
